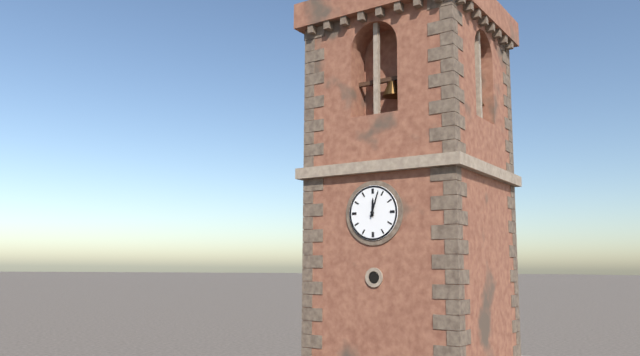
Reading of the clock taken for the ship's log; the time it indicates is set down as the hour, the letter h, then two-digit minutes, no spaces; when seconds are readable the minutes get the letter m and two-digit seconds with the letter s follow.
12h03
